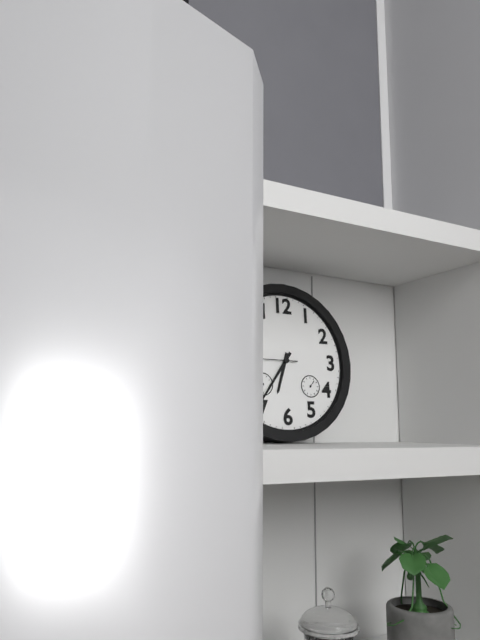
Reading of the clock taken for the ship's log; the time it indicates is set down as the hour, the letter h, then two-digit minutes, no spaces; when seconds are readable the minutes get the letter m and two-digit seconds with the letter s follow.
6h36
